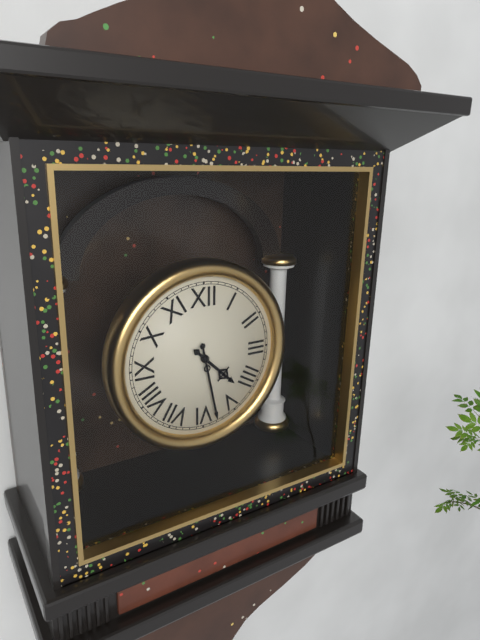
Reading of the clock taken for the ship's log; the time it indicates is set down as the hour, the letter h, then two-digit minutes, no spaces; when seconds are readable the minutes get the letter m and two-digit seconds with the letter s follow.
4h28
